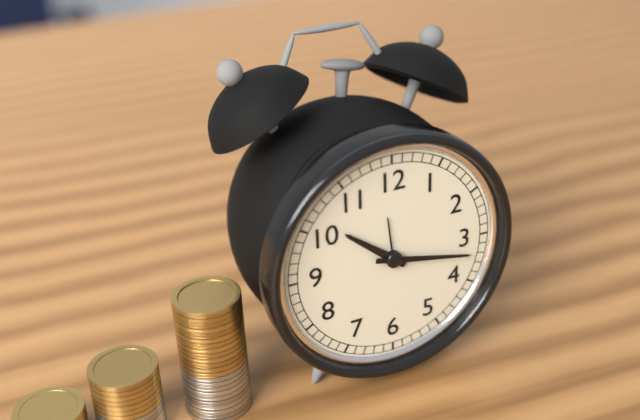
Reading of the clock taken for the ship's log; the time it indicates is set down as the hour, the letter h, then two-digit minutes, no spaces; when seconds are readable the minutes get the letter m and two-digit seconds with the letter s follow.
10h17
